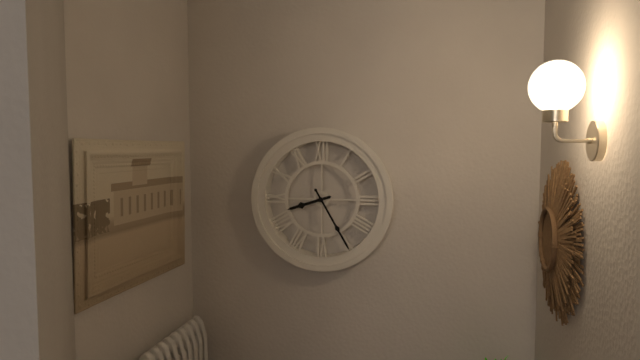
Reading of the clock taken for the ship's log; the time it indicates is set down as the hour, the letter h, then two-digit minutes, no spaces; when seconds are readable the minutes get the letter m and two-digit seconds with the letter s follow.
8h25
